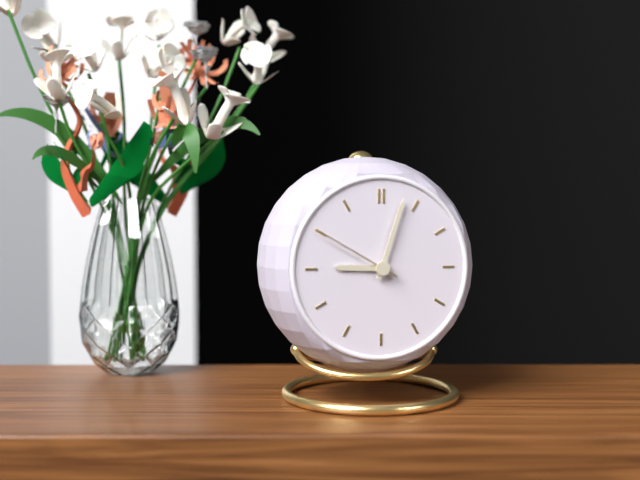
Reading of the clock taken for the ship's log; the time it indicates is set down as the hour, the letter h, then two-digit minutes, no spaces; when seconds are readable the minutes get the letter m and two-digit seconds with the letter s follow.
9h03m50s
